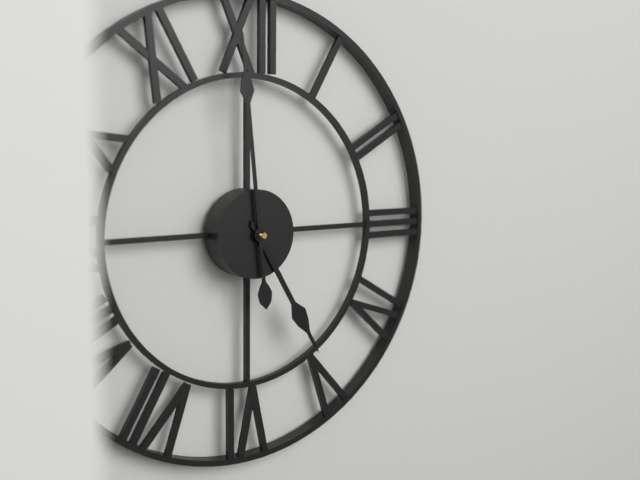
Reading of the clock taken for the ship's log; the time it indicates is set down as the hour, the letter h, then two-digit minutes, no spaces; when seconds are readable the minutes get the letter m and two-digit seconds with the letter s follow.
4h59
